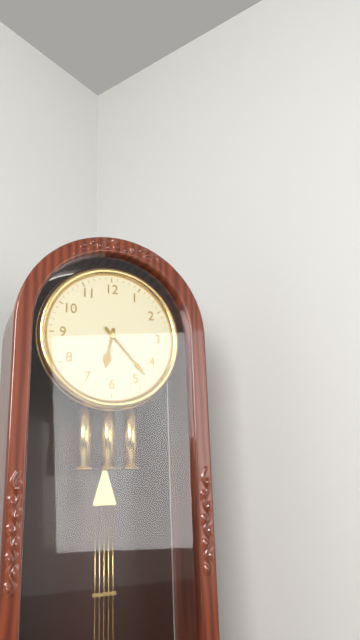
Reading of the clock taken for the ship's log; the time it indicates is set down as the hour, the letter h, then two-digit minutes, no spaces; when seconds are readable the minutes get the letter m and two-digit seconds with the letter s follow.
6h23
